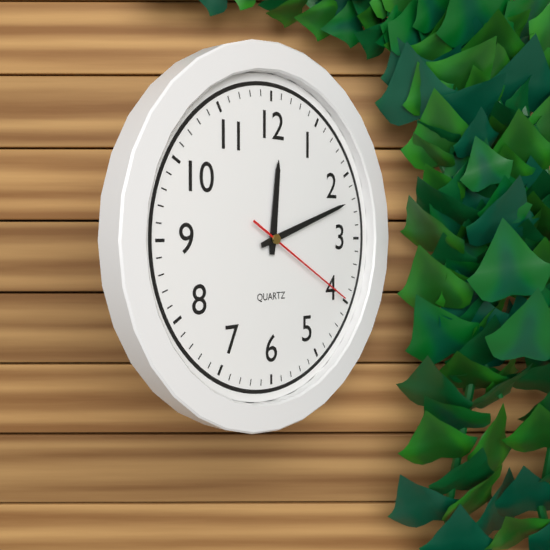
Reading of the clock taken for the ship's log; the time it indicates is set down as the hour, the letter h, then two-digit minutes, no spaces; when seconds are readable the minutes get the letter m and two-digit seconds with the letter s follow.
12h12m20s
